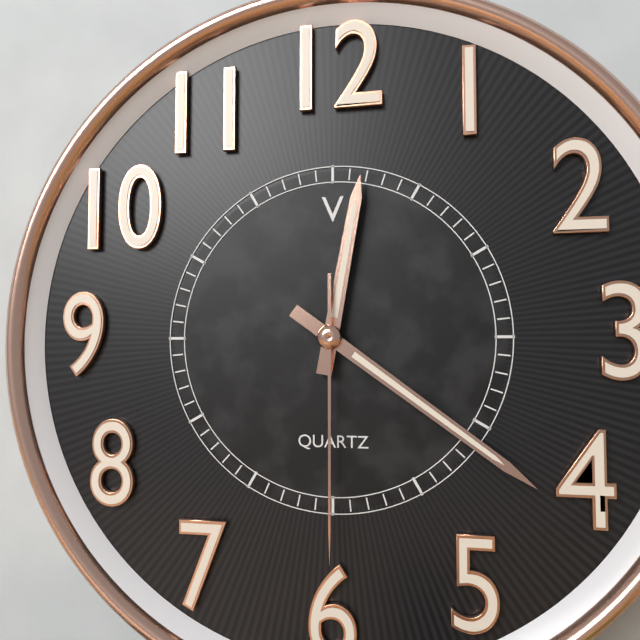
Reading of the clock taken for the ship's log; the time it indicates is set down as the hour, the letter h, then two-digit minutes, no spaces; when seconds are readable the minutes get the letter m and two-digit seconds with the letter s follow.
12h21m30s
